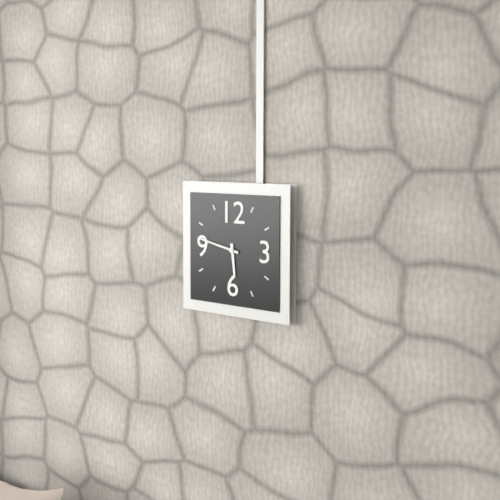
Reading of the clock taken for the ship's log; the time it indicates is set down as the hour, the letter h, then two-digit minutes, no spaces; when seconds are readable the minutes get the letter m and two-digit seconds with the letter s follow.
5h47
